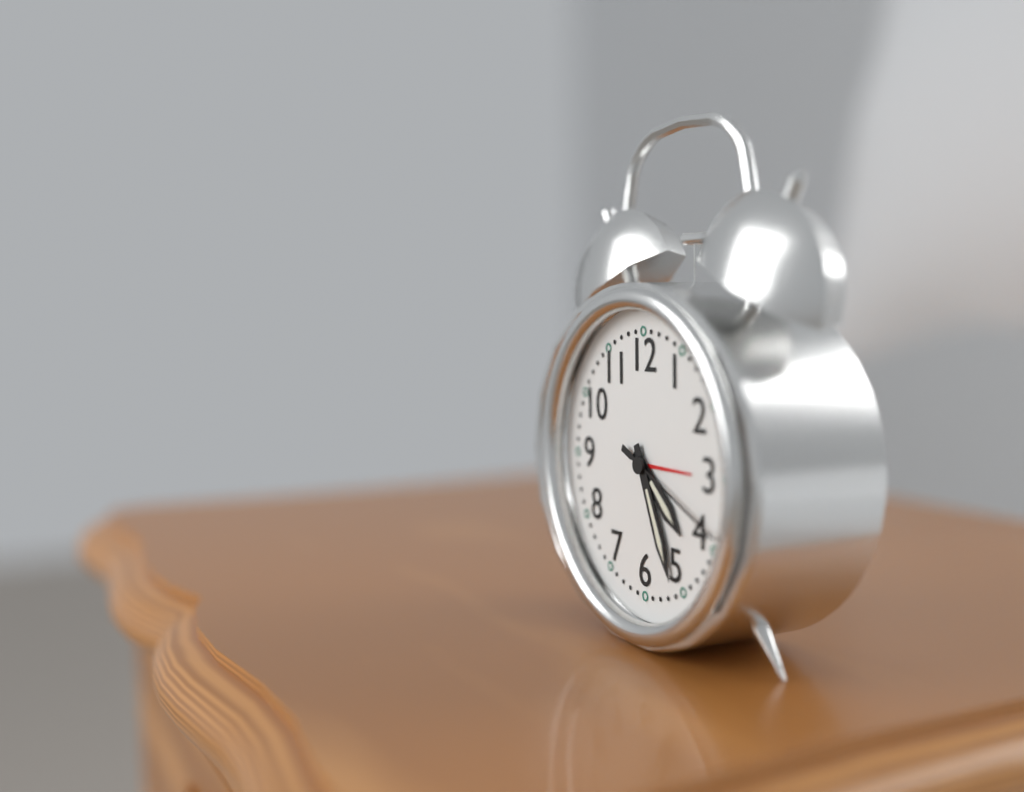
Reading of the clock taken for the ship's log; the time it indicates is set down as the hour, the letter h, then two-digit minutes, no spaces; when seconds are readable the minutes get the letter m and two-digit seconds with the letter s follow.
4h26m19s
